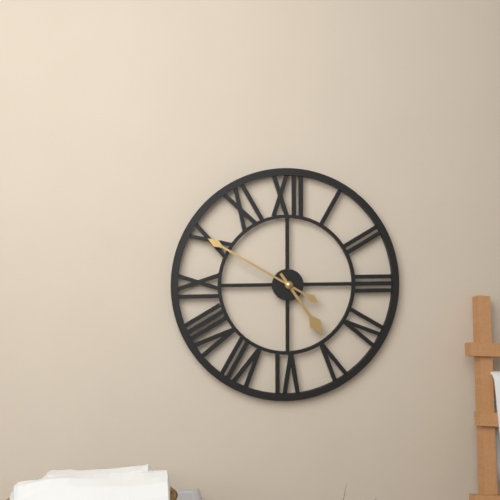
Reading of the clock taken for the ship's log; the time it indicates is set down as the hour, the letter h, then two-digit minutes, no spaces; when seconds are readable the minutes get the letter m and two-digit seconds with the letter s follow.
4h50
